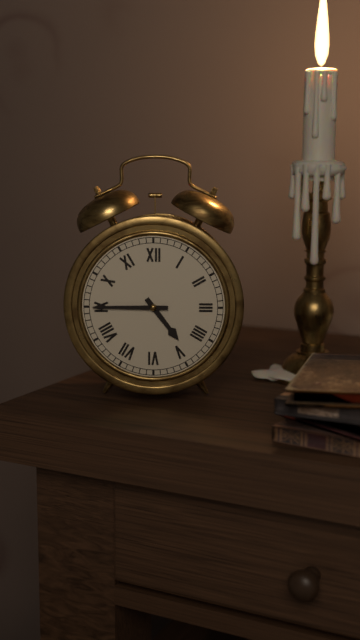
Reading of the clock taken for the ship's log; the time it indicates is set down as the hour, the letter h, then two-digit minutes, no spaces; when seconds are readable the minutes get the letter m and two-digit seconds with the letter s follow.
4h45
